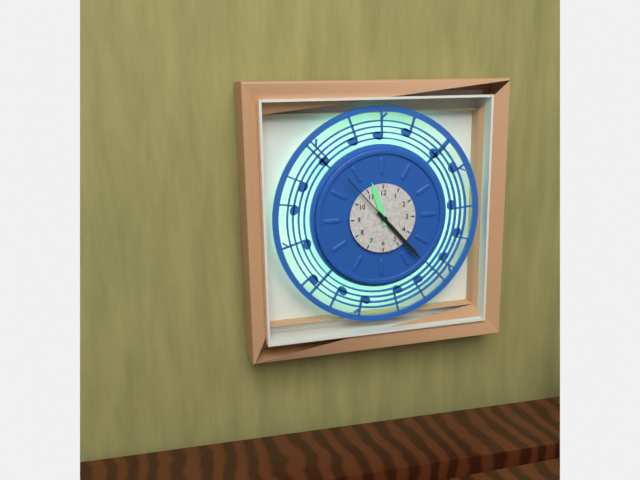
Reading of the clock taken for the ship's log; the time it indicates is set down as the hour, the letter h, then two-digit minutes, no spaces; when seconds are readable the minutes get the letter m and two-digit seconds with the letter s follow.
11h23m53s
